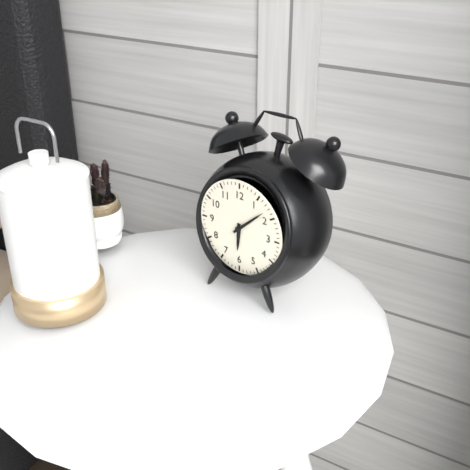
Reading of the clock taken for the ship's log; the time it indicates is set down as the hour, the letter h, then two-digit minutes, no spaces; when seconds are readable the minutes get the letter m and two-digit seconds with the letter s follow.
6h08
